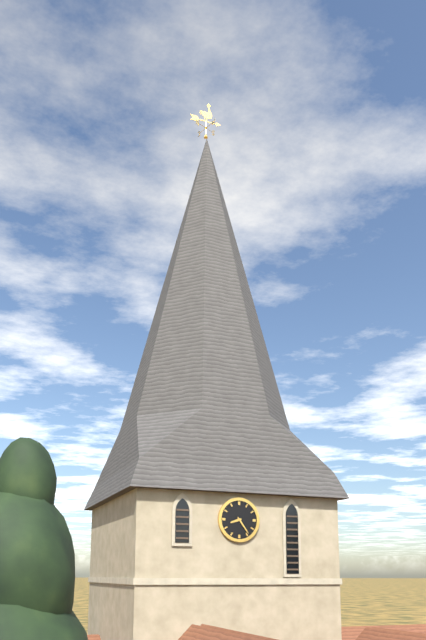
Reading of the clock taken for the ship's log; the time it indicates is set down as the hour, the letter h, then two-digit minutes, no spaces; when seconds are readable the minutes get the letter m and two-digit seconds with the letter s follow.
8h24
